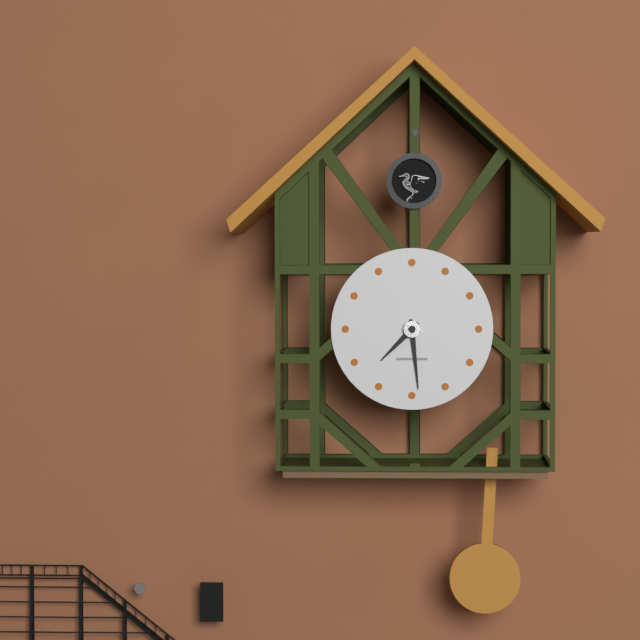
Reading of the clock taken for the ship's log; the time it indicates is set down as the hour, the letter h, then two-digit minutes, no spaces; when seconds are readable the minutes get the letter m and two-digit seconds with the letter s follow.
7h29
